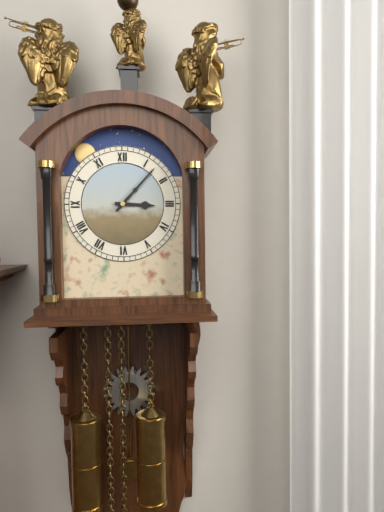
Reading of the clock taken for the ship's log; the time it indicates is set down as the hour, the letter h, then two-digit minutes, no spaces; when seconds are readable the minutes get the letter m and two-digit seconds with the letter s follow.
3h07
